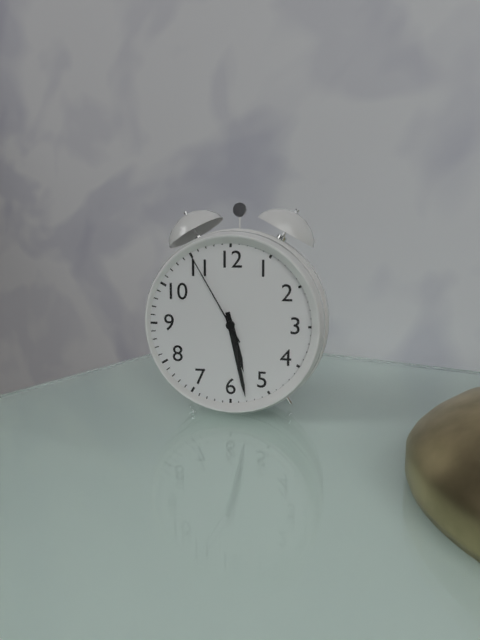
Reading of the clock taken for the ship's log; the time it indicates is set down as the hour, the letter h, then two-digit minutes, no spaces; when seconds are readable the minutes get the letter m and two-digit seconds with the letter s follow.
5h28m55s
